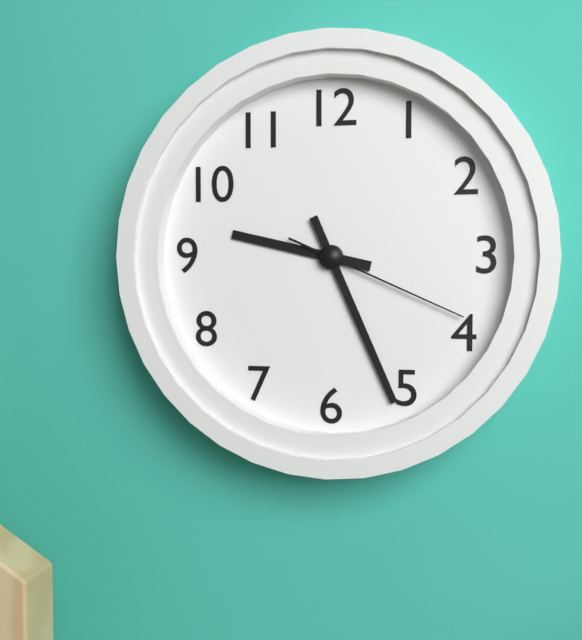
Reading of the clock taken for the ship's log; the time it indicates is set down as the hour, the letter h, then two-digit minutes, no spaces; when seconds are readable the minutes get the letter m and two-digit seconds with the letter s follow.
9h26m19s
